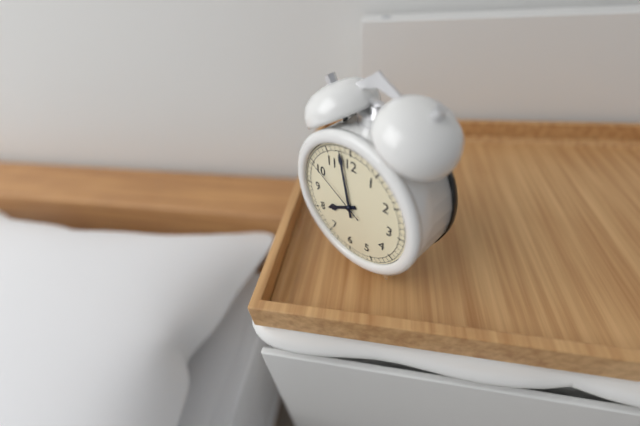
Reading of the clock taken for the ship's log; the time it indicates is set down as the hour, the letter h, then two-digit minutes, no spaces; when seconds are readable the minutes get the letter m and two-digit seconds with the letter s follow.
7h58m50s
